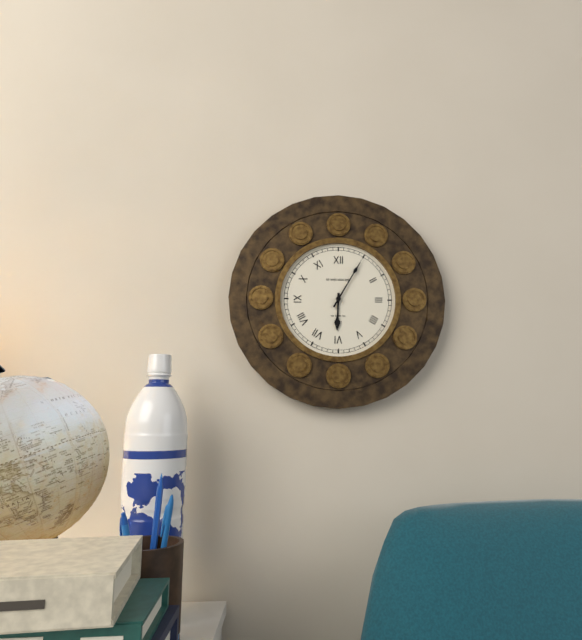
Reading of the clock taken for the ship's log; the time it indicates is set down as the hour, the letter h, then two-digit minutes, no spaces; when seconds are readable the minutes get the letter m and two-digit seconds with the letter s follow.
6h05
